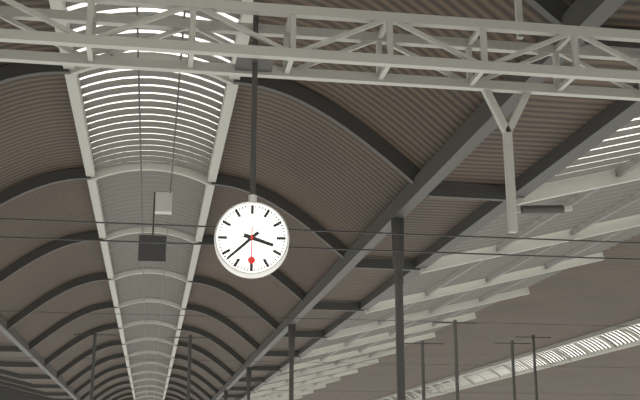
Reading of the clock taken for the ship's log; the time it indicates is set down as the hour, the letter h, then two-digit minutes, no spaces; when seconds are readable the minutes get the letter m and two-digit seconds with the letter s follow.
3h38
